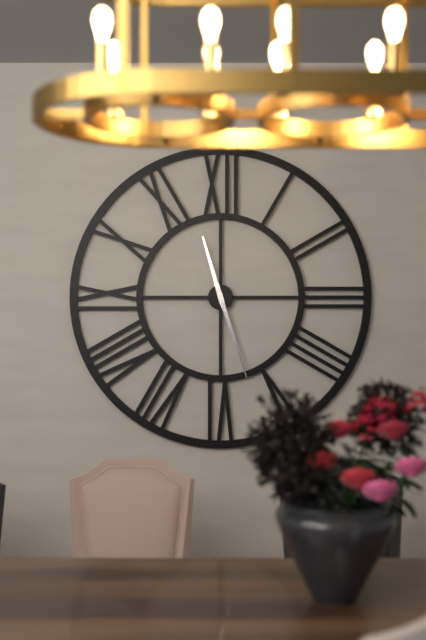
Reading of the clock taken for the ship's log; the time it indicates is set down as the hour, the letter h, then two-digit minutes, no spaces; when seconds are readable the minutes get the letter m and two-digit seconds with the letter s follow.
11h27
